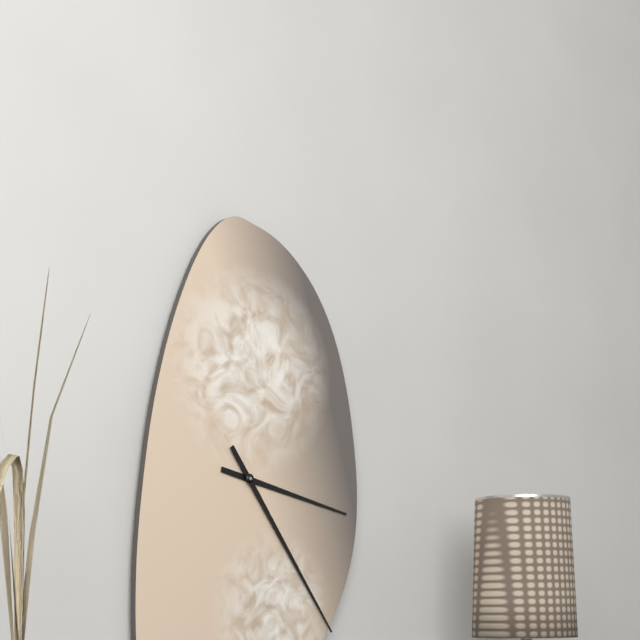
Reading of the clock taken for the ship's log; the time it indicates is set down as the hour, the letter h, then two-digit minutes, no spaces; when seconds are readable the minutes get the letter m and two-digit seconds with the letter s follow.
3h24
